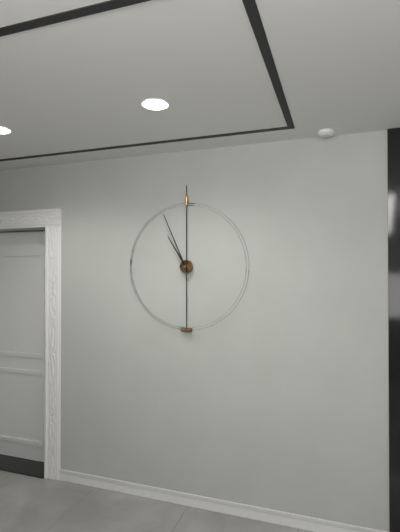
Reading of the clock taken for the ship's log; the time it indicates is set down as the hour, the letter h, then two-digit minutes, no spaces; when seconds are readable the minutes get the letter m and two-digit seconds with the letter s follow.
10h56
